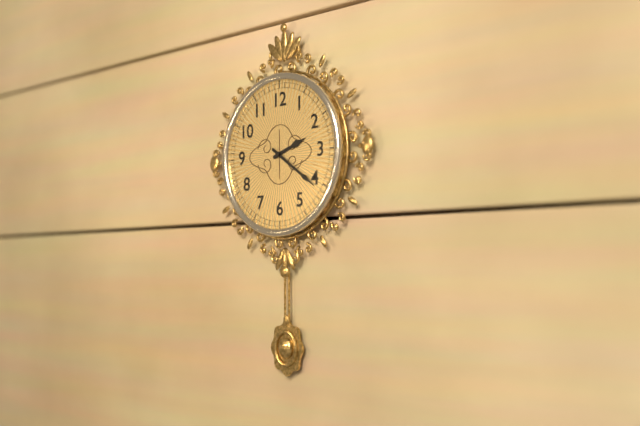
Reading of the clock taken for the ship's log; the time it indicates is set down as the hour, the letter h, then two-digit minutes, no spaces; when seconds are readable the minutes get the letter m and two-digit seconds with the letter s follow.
2h21
